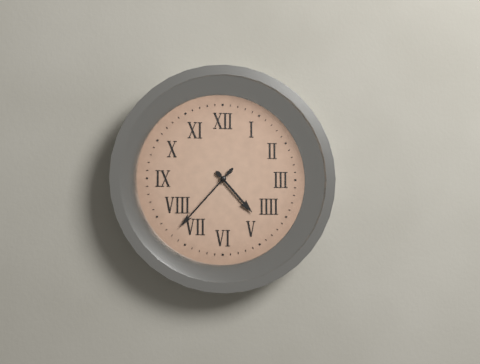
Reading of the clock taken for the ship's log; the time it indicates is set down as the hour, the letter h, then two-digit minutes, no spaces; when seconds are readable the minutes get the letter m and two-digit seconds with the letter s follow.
4h37
